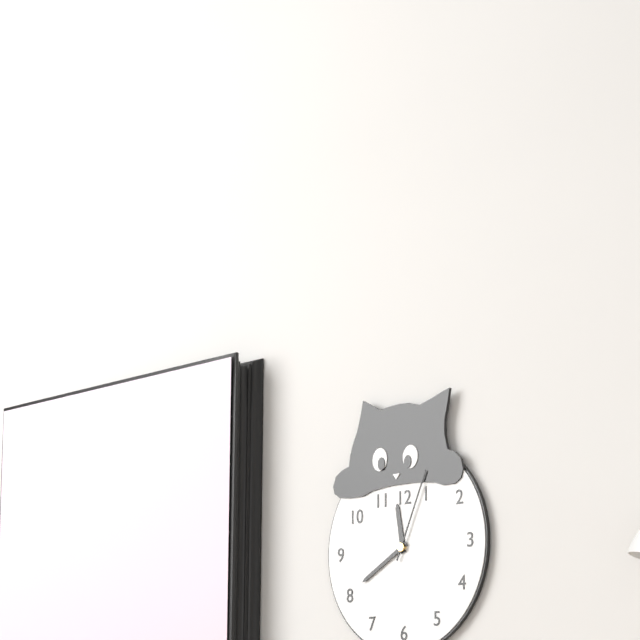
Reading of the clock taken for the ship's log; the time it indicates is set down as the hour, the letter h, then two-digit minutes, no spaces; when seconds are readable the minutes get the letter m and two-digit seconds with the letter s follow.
11h40m04s
